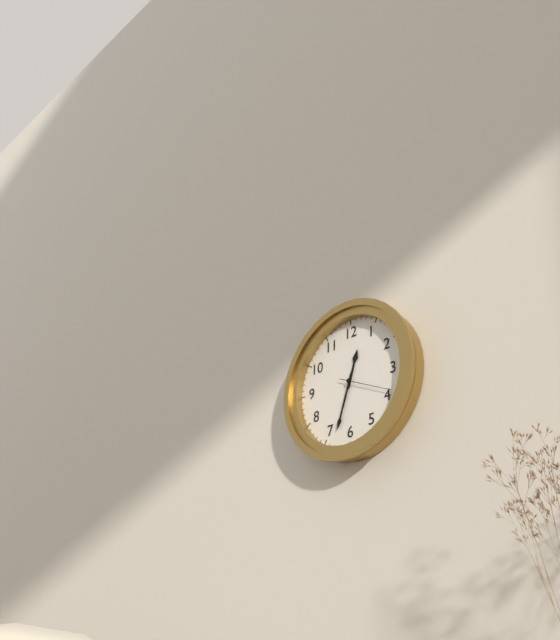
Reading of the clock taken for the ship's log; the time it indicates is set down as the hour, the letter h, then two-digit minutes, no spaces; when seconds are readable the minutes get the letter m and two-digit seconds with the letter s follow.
12h33m19s
